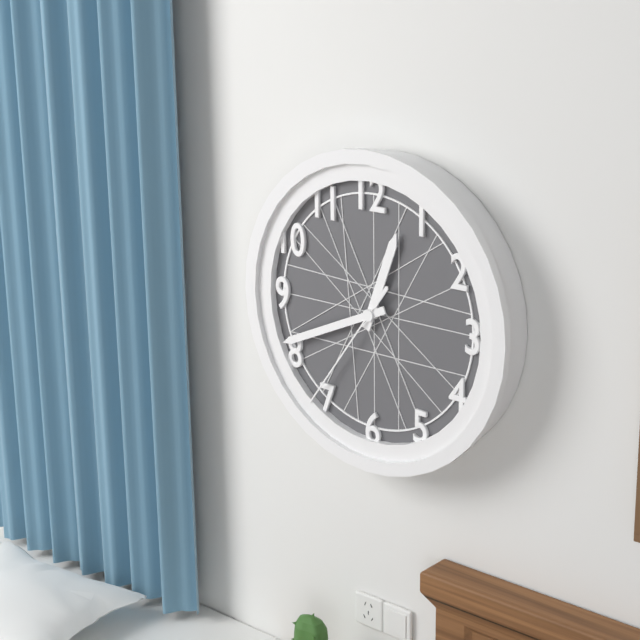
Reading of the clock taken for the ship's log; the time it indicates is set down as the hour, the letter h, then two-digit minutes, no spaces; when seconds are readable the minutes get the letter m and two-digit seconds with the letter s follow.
12h41m36s
